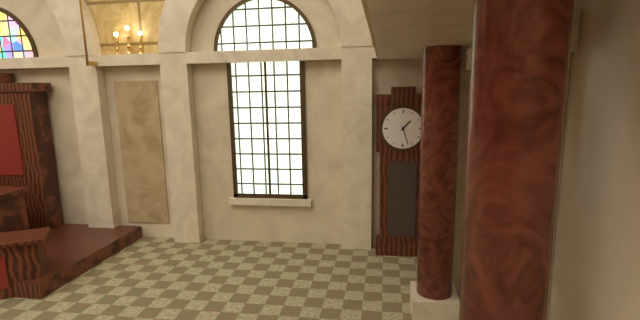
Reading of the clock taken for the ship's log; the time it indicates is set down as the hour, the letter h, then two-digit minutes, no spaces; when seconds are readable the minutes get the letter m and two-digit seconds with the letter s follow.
1h27
